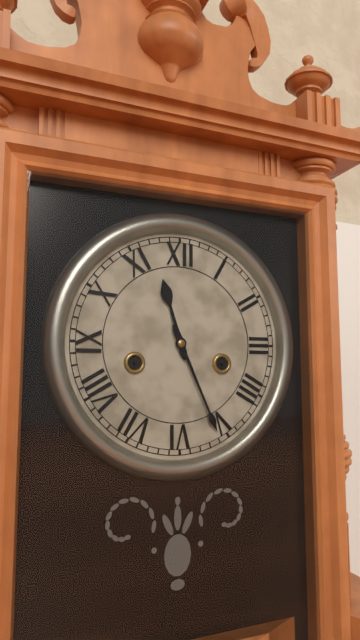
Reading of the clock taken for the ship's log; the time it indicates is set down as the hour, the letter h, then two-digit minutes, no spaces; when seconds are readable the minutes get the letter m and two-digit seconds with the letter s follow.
11h26
